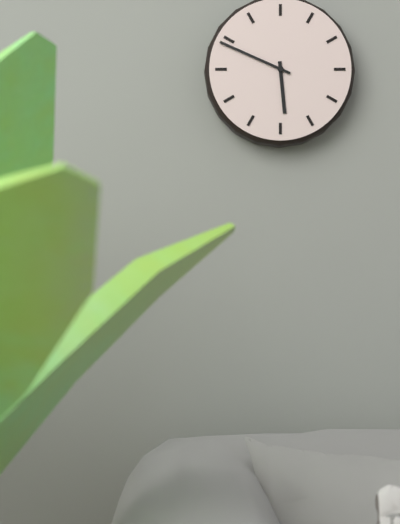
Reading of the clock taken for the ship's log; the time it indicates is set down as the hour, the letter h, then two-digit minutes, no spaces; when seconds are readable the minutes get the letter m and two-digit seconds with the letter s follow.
5h49
